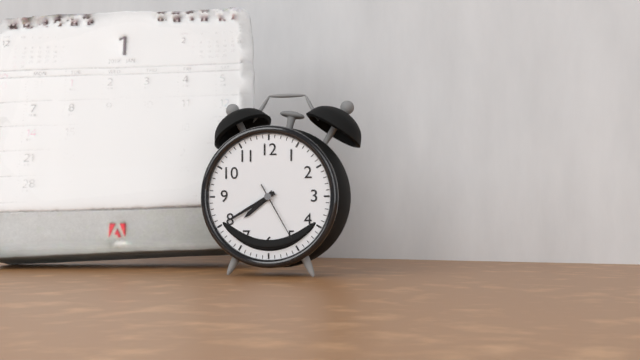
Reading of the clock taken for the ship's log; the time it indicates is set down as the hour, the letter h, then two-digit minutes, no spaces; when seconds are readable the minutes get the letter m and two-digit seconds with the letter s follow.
7h40m25s
